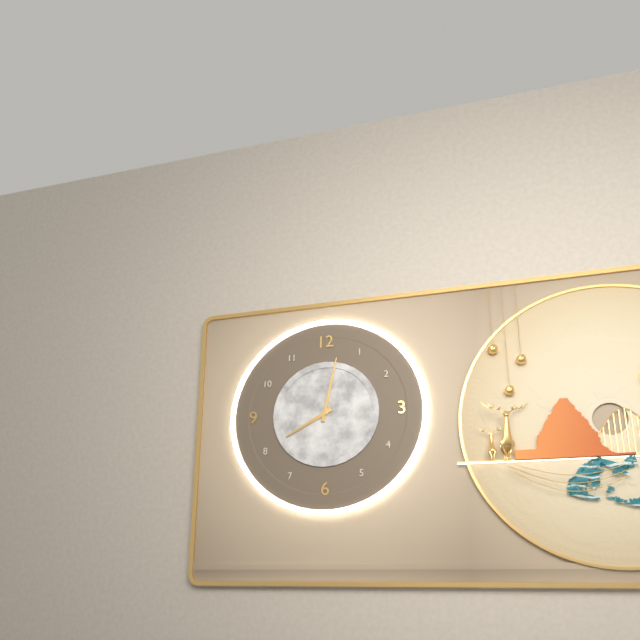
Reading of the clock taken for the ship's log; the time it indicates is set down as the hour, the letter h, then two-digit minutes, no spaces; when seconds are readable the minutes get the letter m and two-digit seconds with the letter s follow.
8h02
